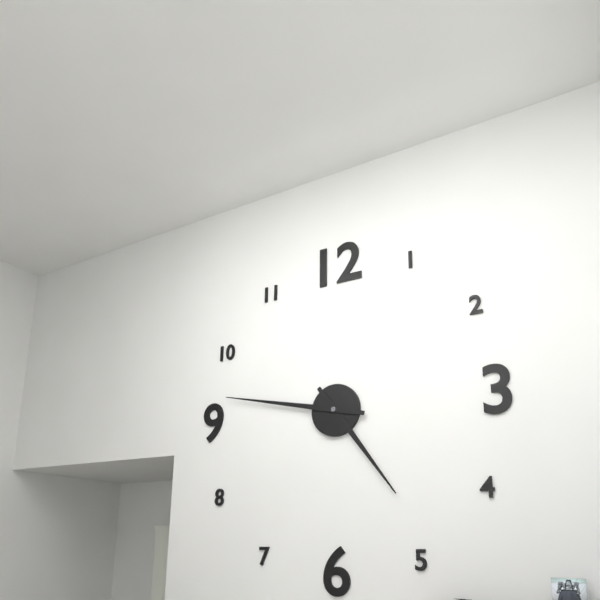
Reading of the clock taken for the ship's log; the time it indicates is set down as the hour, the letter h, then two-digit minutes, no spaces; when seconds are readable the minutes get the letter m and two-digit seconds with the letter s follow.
4h47
